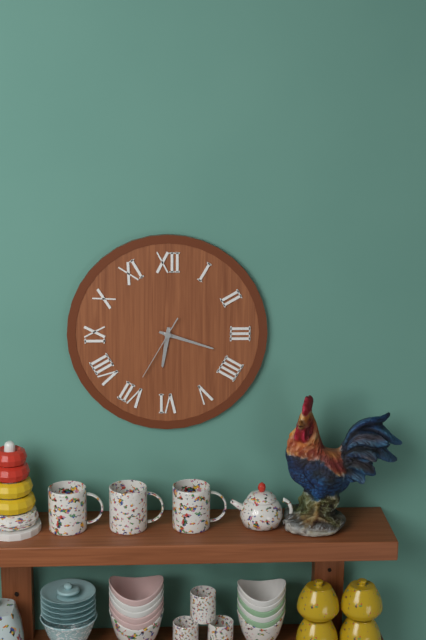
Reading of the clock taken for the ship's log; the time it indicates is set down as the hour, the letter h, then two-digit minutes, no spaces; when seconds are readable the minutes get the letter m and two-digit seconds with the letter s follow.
6h18m35s
